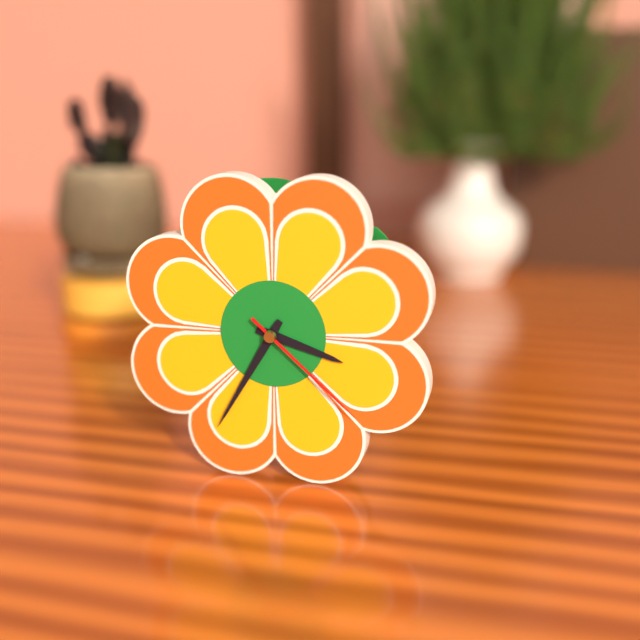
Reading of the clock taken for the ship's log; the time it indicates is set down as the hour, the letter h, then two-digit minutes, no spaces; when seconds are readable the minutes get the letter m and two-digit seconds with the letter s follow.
3h35m22s
